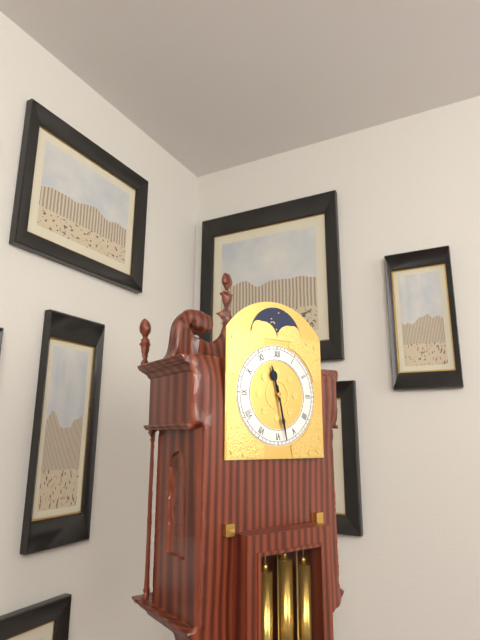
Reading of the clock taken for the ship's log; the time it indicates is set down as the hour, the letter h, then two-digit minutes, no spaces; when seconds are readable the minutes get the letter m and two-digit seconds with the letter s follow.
11h28
